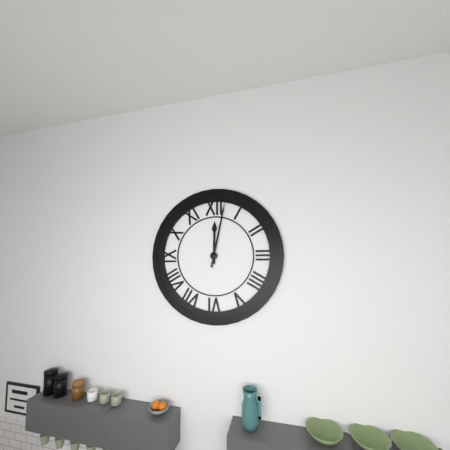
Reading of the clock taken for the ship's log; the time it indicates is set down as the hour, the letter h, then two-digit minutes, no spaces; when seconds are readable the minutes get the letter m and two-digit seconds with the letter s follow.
12h02
